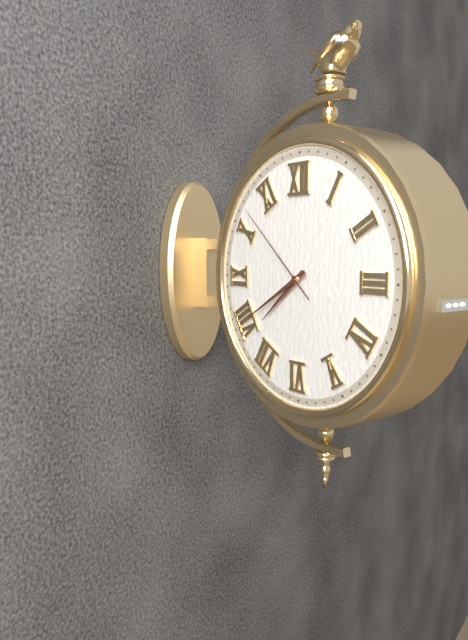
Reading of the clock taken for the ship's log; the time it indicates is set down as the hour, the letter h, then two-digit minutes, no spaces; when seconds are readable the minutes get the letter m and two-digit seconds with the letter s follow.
7h40m52s
